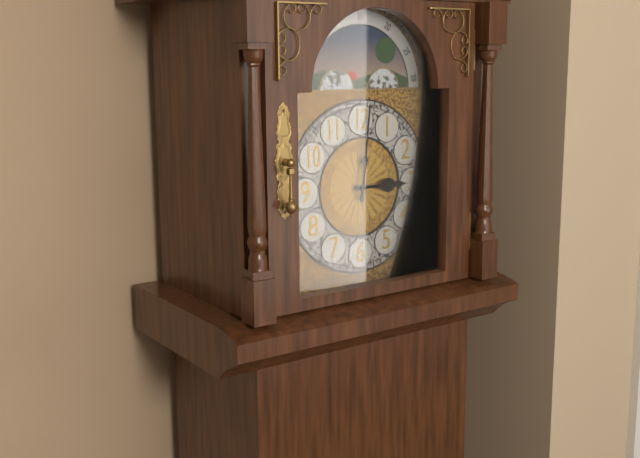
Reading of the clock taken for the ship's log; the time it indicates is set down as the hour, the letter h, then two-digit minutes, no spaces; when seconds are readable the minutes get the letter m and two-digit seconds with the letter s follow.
3h01
